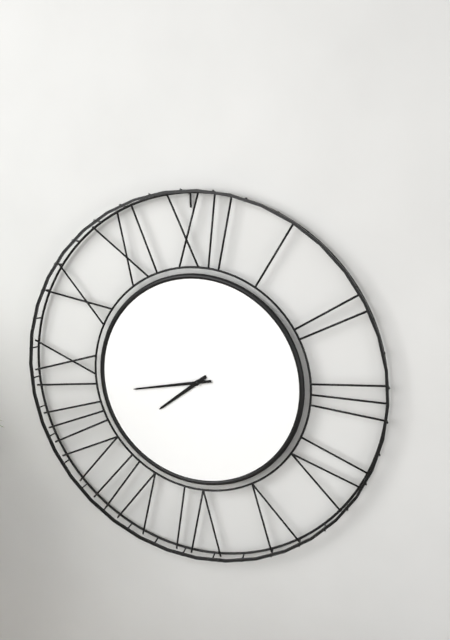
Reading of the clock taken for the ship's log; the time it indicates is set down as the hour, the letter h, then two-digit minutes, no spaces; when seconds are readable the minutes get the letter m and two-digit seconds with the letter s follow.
7h43
